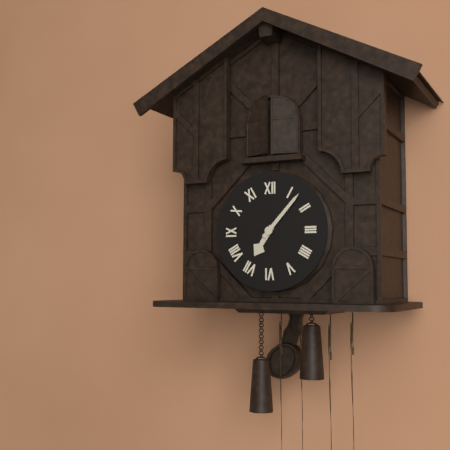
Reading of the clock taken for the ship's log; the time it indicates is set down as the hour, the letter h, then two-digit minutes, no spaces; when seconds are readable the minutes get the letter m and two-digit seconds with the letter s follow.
7h07
